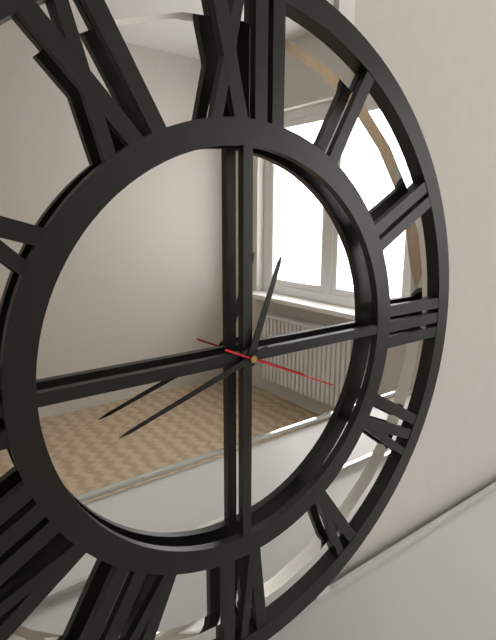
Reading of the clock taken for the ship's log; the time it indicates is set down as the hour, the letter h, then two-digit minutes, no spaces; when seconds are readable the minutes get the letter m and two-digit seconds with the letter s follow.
12h42m19s
